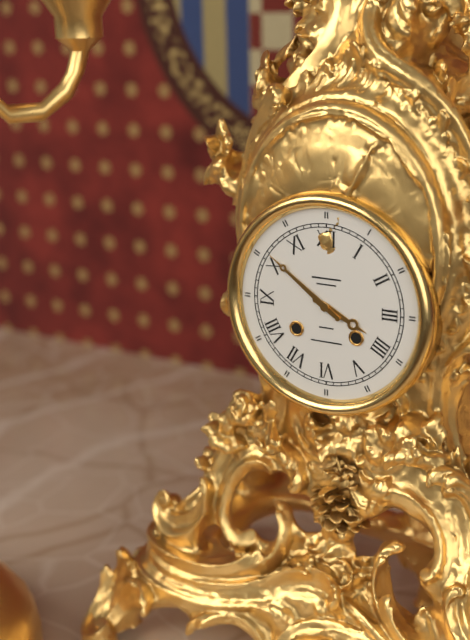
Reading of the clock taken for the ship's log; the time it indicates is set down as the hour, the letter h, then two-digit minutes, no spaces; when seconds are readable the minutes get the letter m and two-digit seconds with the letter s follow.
3h51
